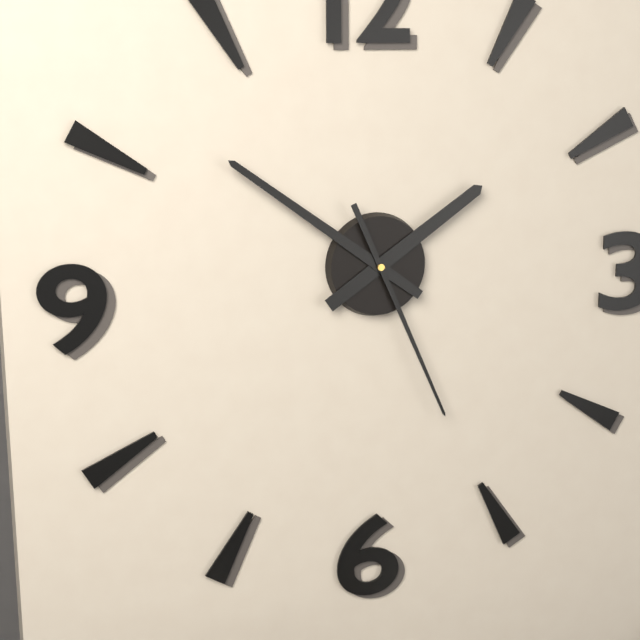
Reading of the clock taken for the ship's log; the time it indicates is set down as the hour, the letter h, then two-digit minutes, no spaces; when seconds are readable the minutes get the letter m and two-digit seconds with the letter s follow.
1h51m26s
